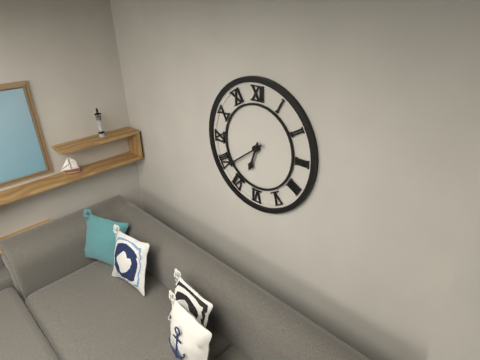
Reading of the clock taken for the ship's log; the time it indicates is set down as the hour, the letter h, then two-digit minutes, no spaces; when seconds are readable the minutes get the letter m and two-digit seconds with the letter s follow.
6h39
